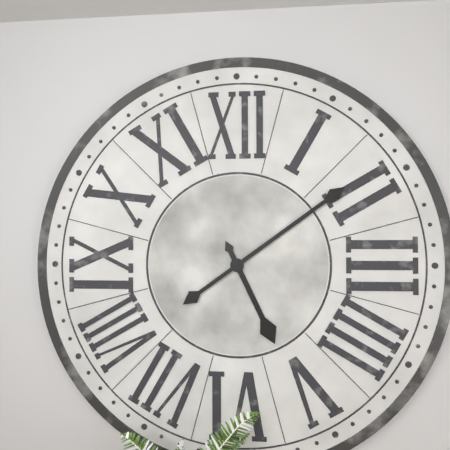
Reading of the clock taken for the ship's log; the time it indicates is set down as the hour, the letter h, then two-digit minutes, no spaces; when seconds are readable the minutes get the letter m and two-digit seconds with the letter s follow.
5h09
